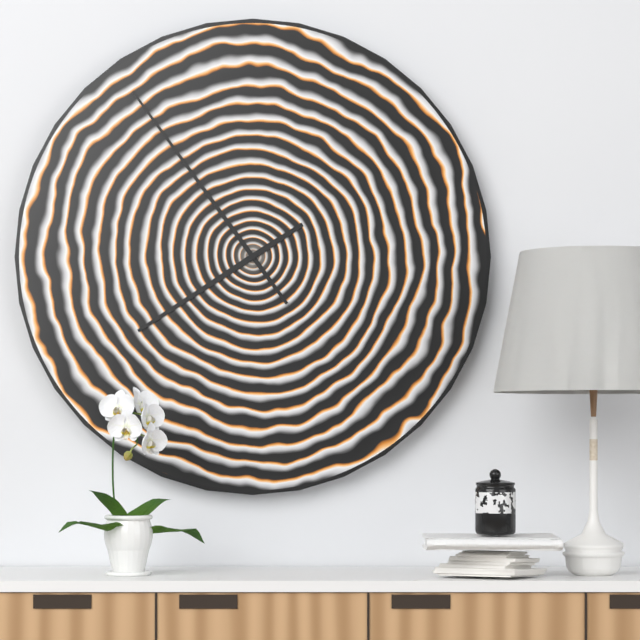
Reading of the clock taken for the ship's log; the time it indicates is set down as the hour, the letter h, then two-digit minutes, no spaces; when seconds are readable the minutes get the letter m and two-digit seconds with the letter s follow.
7h54
